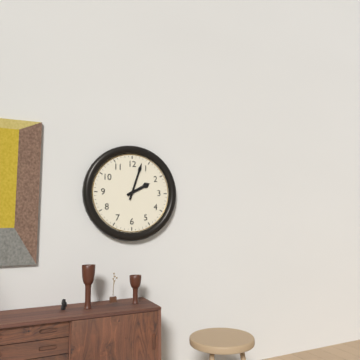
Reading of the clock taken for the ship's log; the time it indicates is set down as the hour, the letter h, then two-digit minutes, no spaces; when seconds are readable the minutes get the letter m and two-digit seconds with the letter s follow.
2h03
